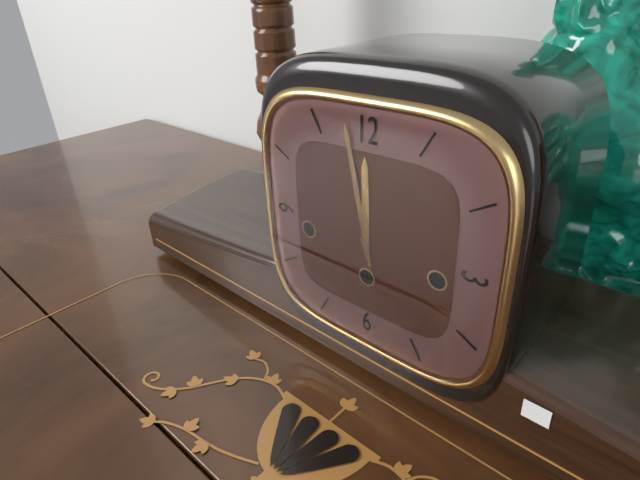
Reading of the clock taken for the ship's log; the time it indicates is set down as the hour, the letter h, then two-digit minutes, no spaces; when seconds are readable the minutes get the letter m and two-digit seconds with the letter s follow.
11h58
